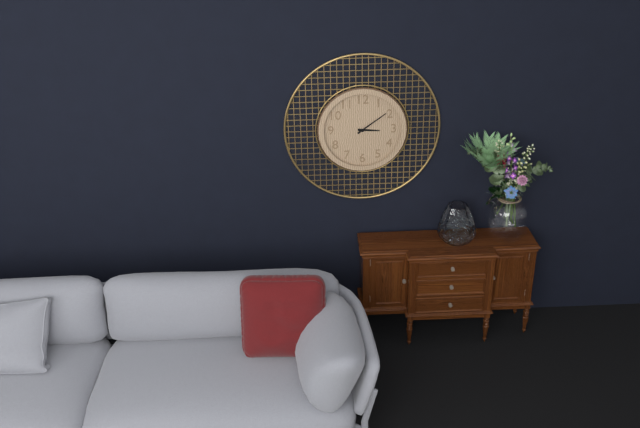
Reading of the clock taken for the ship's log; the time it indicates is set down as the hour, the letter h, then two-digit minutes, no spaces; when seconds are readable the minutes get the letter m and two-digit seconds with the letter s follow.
3h09
